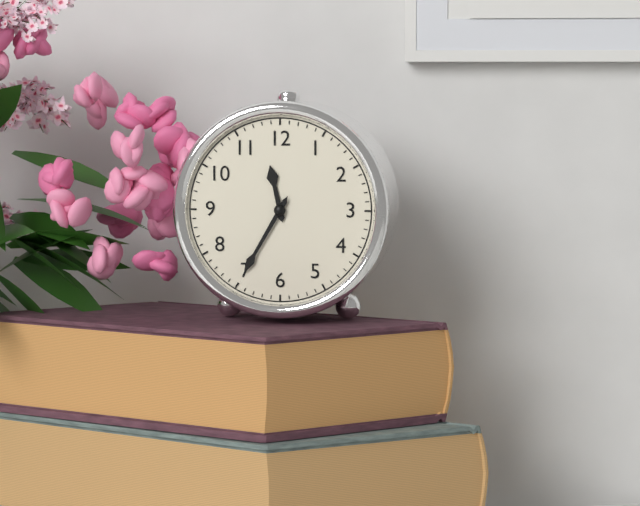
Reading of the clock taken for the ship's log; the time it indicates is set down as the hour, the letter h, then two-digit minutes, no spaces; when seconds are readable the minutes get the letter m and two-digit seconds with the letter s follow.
11h35
